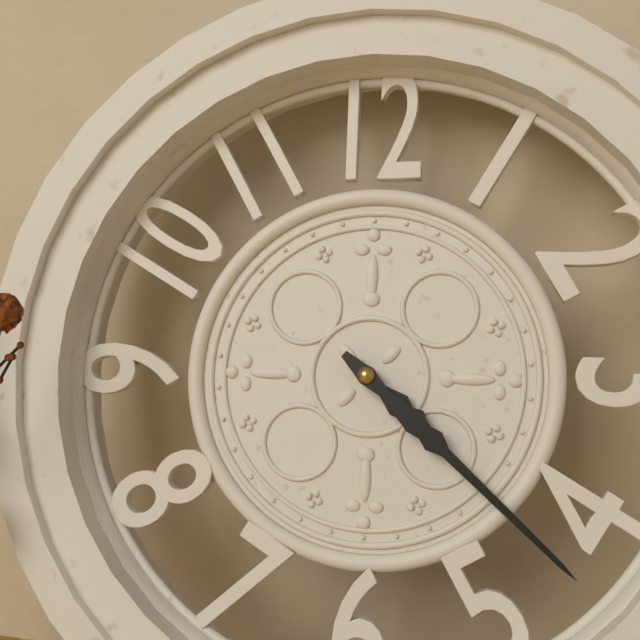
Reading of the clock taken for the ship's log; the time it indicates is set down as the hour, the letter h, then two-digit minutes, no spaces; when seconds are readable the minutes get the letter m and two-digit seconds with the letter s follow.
4h22
